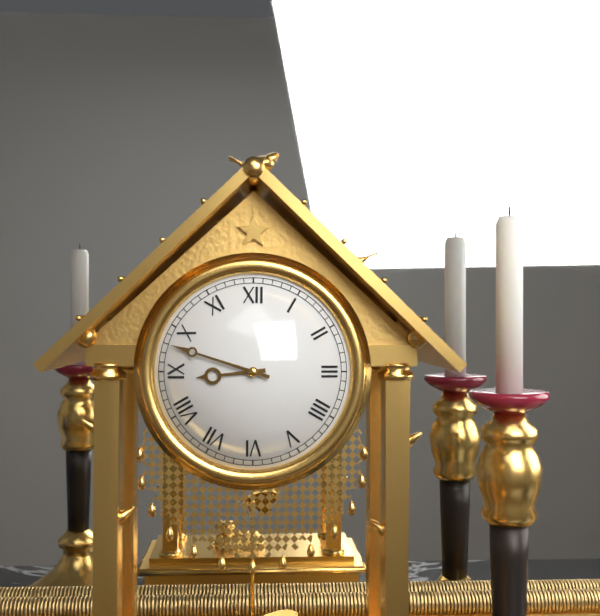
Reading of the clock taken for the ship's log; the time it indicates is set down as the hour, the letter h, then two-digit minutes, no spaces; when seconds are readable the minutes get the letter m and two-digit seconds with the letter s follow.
8h48
